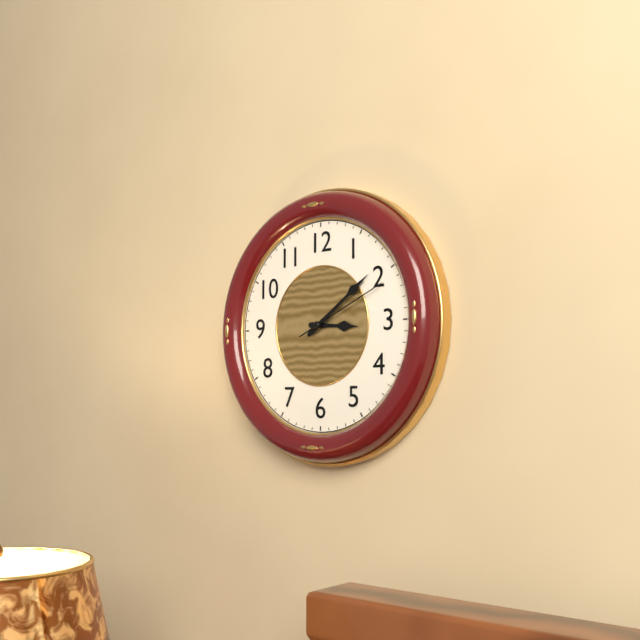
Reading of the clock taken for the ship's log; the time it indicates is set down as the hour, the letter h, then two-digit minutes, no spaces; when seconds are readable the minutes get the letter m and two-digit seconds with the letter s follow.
3h09m11s
